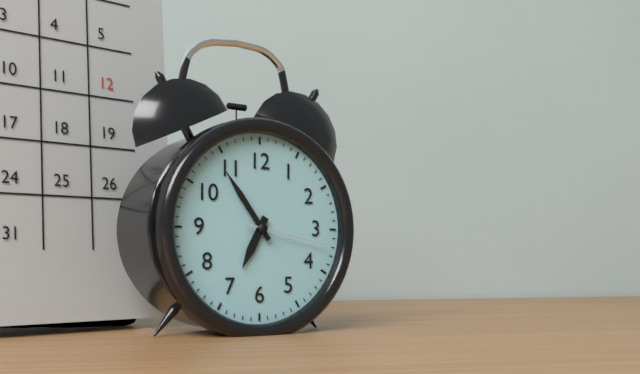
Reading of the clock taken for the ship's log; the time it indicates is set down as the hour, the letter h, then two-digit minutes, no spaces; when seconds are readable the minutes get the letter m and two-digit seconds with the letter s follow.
6h54m17s
